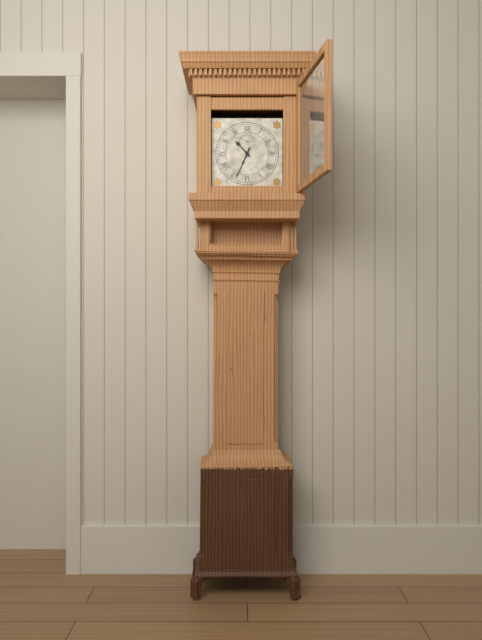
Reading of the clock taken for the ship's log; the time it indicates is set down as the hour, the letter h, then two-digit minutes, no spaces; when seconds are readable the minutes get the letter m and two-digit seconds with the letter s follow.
10h34
